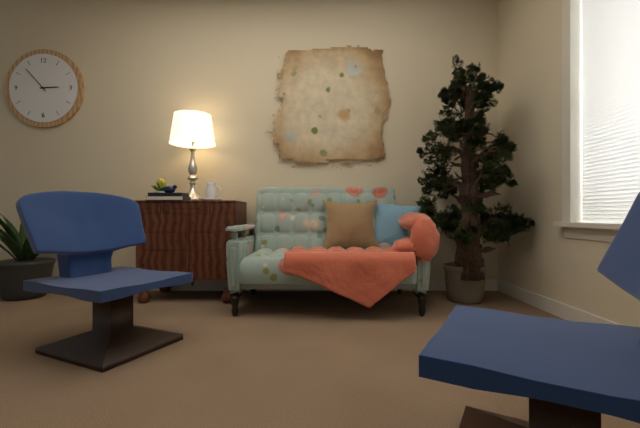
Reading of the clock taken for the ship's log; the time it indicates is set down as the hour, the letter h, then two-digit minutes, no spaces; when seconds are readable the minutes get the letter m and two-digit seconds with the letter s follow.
2h53
